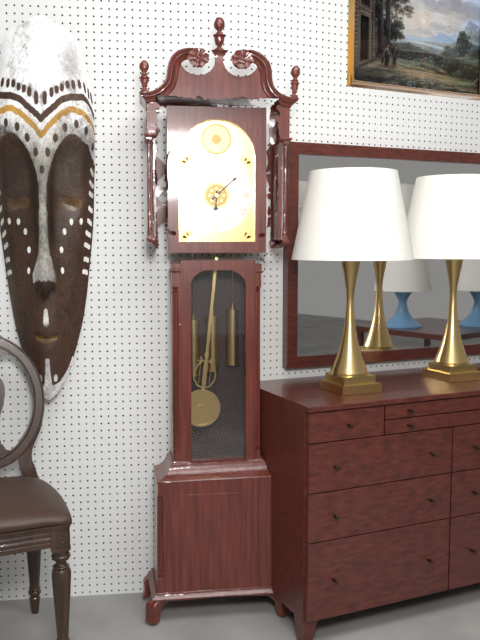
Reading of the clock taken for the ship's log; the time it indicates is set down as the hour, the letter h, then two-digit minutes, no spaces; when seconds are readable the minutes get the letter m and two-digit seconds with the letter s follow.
6h08
